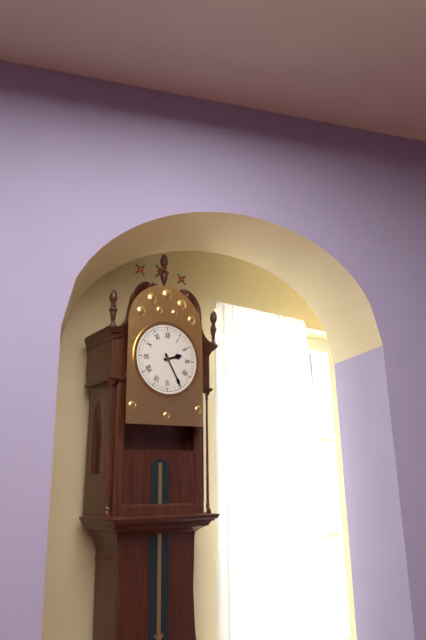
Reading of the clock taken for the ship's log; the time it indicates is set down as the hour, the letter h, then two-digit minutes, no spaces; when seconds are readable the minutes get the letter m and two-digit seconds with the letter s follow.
2h25
